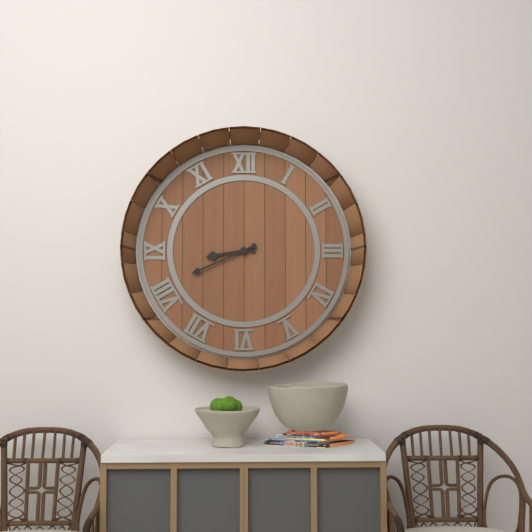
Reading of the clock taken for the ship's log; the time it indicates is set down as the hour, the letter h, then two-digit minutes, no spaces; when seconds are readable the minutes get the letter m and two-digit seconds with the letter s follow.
8h41
